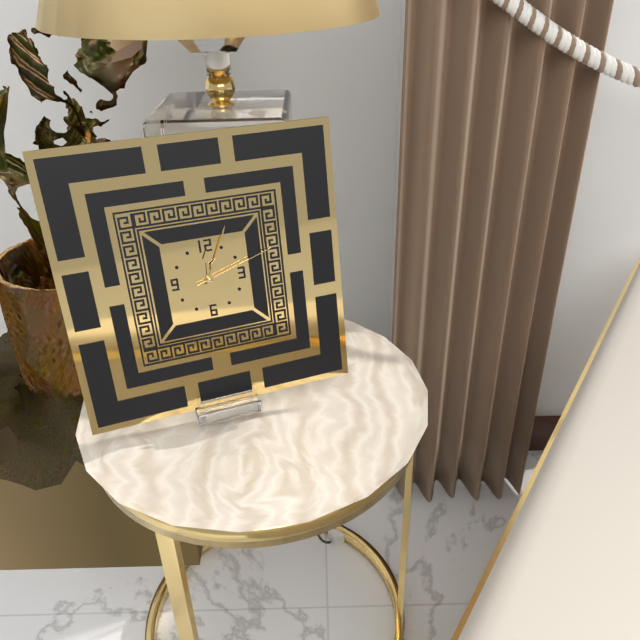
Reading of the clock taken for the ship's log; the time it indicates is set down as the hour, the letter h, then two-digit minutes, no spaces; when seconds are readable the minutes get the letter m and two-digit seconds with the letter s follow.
12h04m12s
